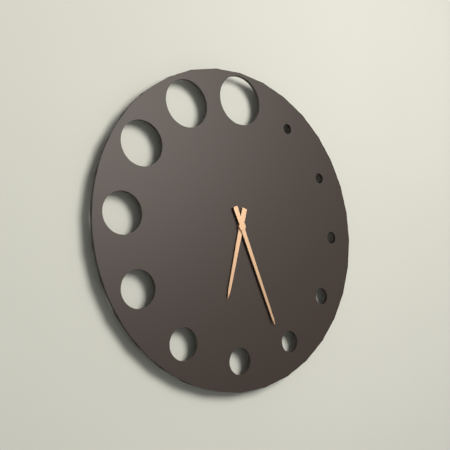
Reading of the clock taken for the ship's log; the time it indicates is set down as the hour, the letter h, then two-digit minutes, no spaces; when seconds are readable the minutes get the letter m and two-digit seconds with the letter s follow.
6h26
